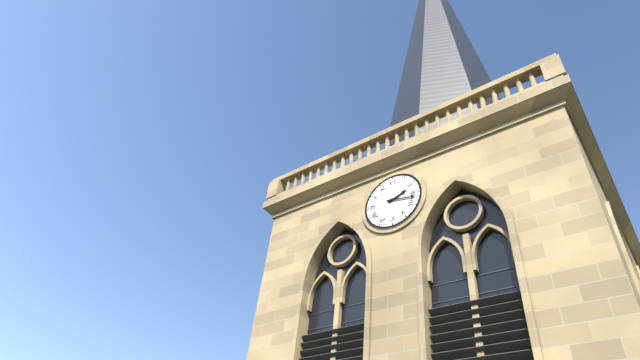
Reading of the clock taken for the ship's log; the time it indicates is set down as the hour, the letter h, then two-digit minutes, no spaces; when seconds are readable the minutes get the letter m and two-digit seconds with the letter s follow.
2h17
